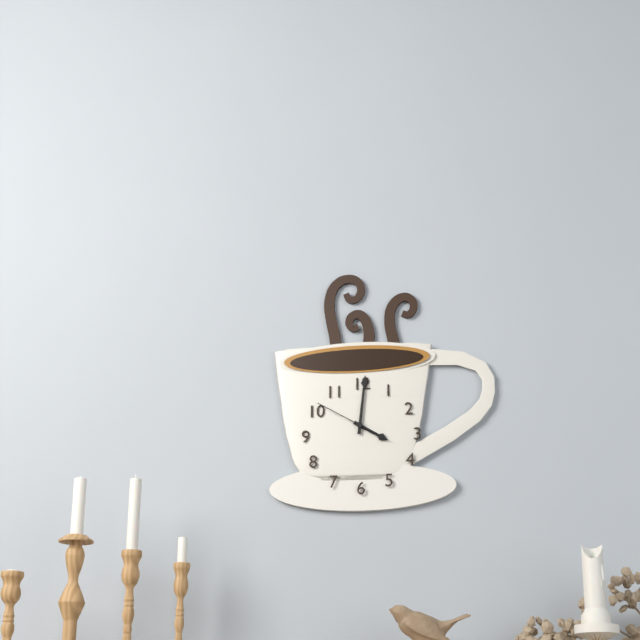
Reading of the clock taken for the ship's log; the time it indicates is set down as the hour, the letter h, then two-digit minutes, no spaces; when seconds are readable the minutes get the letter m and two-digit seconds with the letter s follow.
4h01m50s
